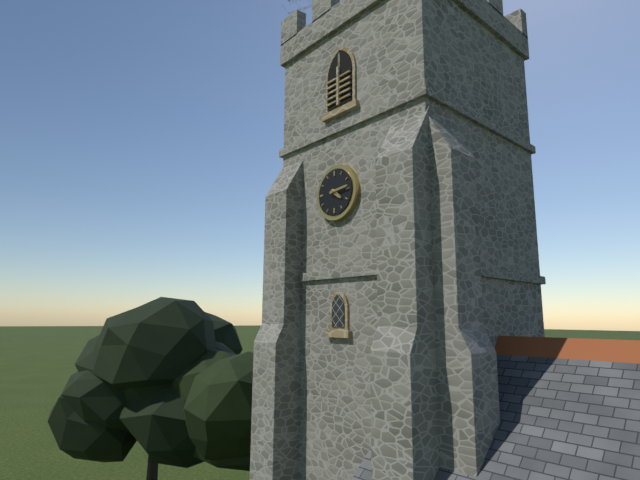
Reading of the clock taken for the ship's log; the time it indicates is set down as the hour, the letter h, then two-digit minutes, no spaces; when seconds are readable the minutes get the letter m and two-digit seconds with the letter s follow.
4h14
